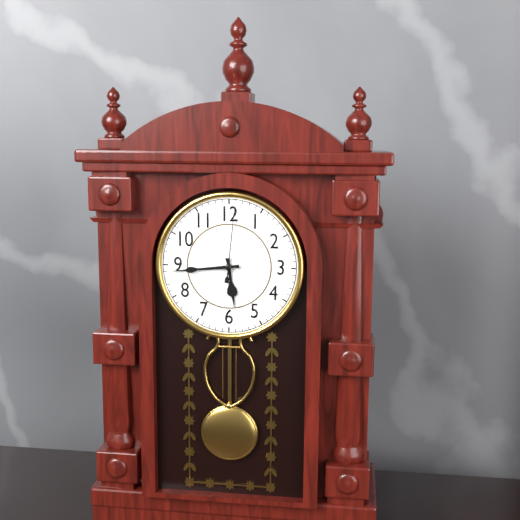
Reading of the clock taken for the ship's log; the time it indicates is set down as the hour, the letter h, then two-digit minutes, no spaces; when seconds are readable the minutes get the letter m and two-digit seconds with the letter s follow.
5h44m01s
